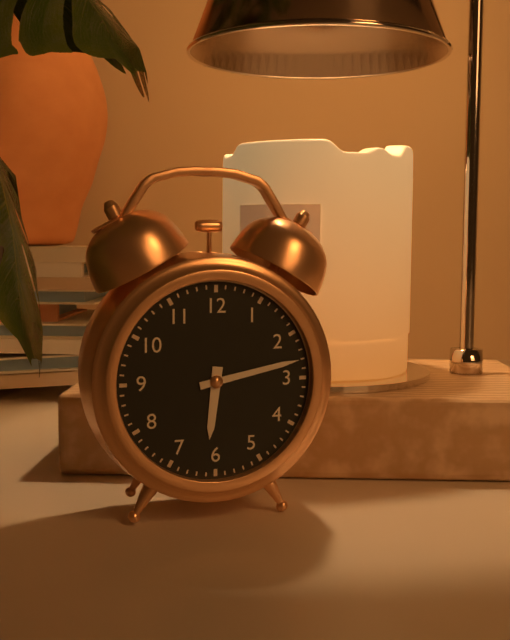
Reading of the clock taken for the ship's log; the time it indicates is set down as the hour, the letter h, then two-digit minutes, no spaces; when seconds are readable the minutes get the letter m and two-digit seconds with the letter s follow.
6h13
